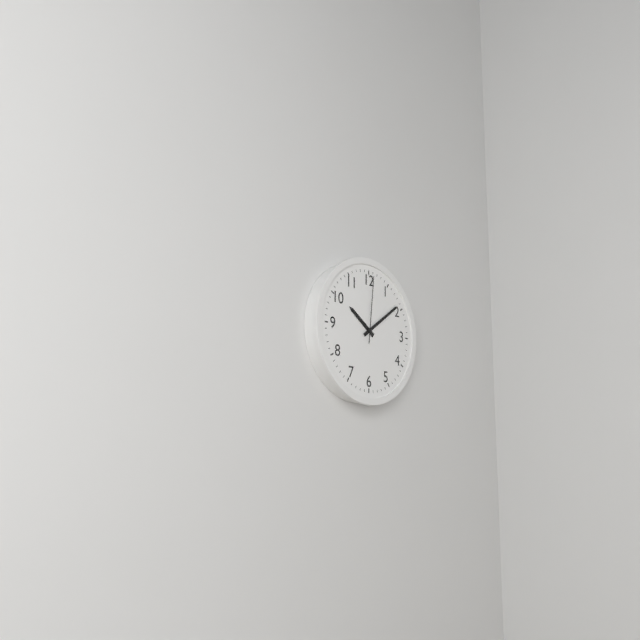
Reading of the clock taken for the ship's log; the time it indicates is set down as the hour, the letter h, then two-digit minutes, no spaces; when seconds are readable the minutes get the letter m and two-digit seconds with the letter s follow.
10h09m01s
